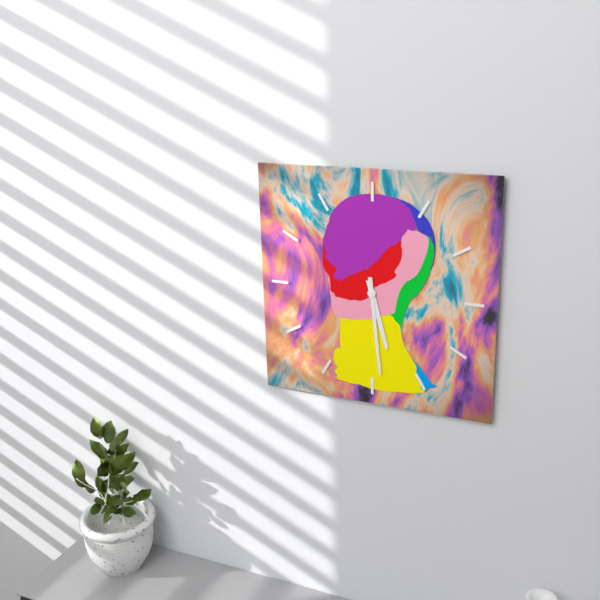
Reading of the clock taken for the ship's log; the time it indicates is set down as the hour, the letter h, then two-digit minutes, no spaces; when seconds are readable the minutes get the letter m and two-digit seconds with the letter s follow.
5h29
